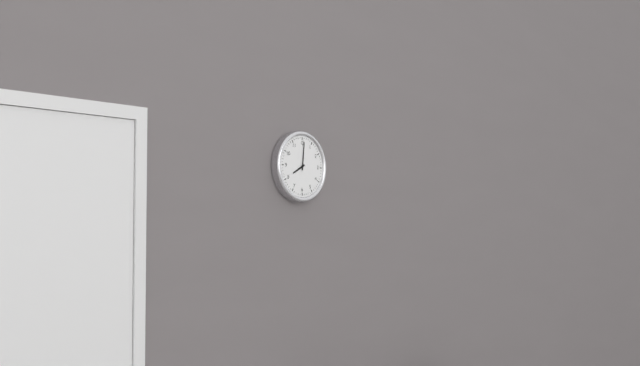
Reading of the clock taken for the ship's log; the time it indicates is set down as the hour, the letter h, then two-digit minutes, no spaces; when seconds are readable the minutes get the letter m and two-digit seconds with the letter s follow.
8h01
